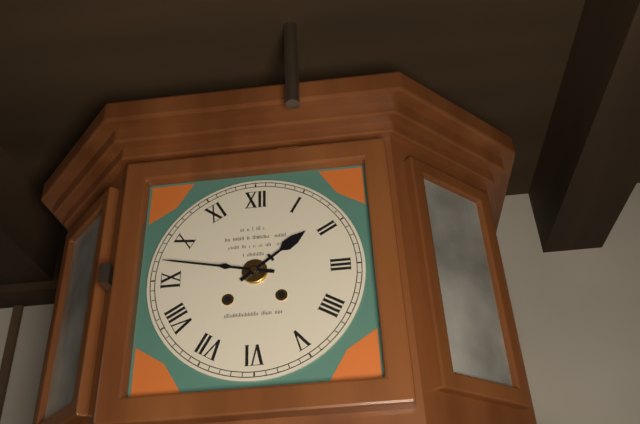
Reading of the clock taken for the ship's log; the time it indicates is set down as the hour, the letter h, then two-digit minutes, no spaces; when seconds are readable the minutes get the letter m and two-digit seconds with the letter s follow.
1h47
